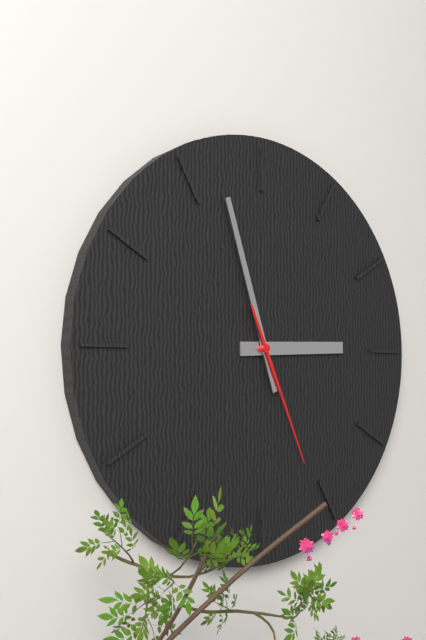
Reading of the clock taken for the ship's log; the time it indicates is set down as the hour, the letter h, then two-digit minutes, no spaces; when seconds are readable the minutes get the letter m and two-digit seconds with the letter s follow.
2h57m26s
